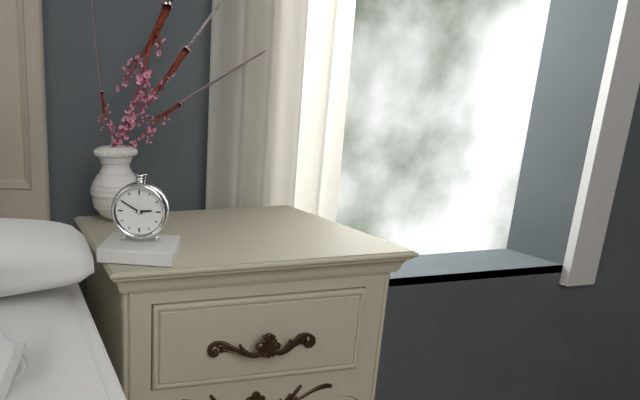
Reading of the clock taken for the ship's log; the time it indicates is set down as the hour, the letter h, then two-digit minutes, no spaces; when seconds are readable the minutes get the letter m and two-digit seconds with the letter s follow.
2h50
